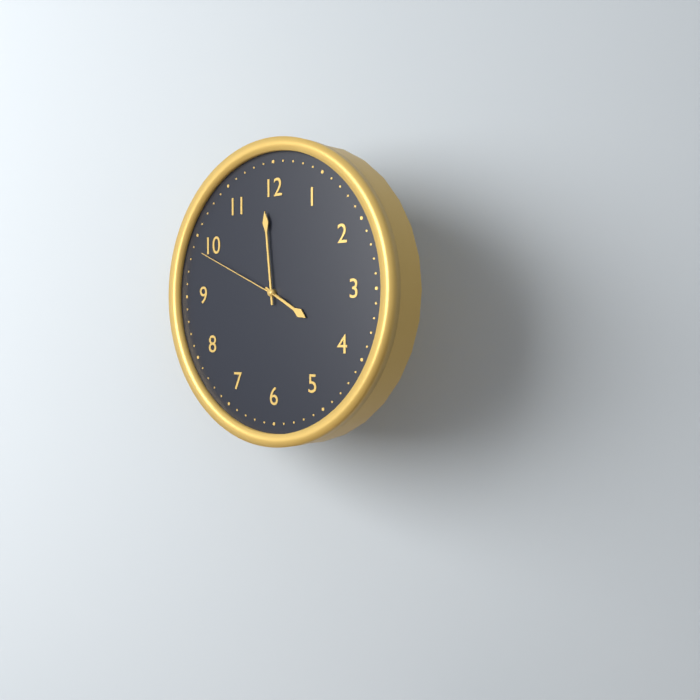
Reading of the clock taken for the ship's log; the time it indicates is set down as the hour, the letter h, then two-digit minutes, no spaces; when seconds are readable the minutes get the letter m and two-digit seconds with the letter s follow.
3h59m49s
